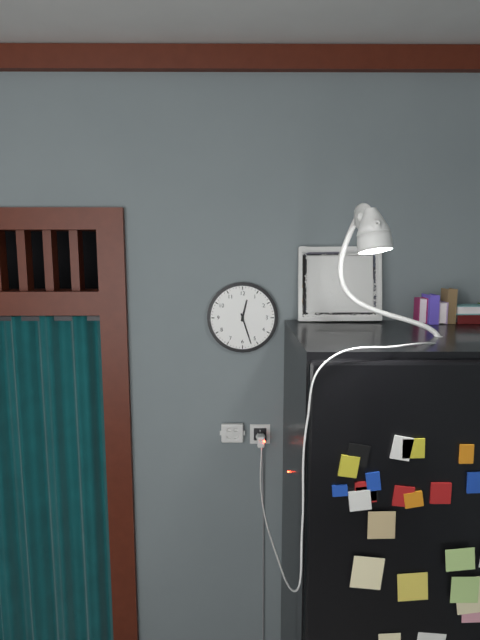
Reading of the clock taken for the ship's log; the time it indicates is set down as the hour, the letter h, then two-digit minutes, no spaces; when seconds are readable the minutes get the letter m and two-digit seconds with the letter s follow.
12h27
